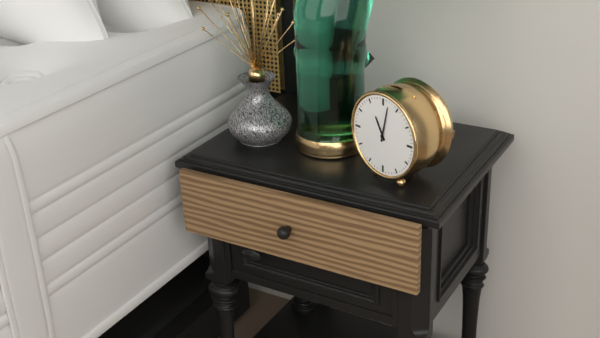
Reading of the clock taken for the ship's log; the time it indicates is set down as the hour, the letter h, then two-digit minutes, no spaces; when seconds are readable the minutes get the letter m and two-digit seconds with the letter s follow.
11h02
